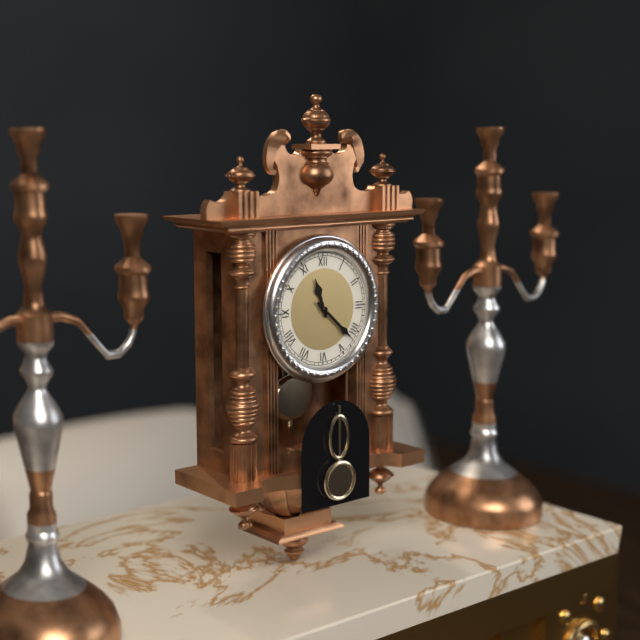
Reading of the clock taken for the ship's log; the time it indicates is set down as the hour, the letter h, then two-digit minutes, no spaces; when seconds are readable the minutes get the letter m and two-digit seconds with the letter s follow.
11h22
